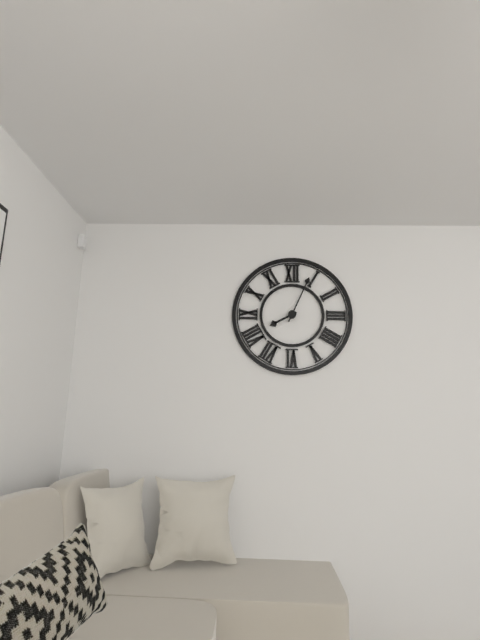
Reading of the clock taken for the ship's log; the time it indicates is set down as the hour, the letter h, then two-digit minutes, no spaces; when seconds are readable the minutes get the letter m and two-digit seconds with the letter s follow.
8h04
